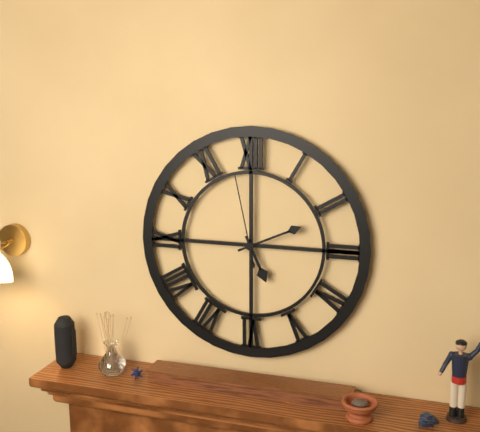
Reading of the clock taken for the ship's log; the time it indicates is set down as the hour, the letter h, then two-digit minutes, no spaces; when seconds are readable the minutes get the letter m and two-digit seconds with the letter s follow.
5h11m58s
